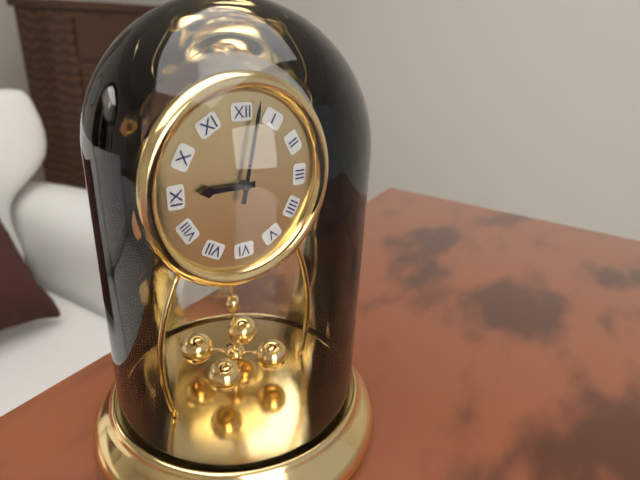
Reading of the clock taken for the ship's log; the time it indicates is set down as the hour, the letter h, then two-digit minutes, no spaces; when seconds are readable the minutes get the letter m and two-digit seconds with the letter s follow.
9h02
